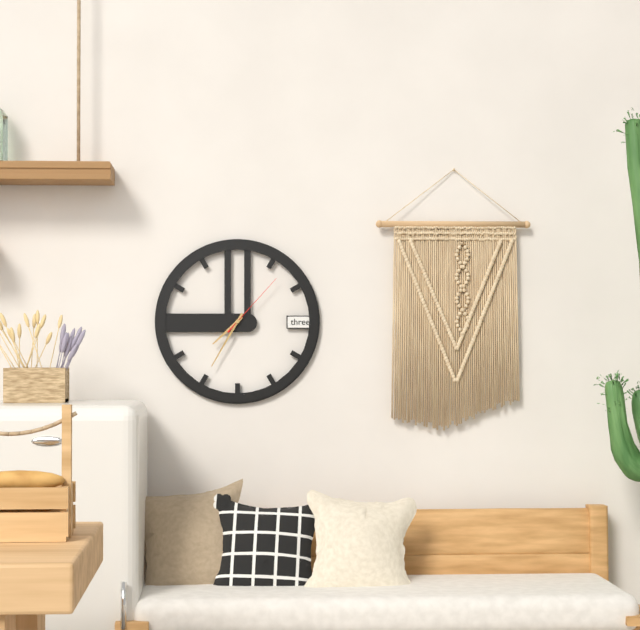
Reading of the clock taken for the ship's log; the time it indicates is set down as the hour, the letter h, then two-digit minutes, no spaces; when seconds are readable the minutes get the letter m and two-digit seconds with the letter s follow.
7h35m07s
